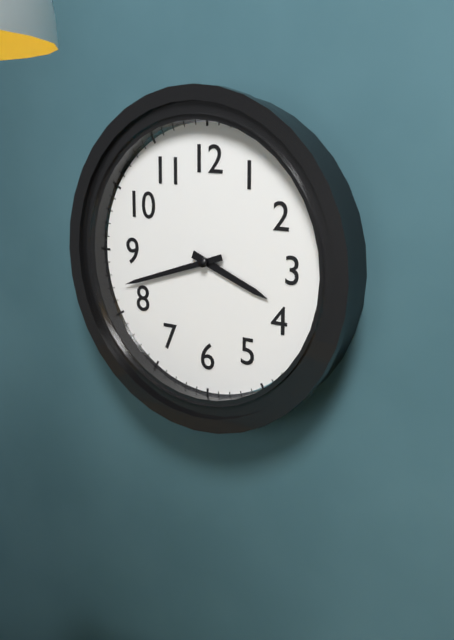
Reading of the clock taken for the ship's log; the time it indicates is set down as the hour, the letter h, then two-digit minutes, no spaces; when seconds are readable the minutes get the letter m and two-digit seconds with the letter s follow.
3h42
